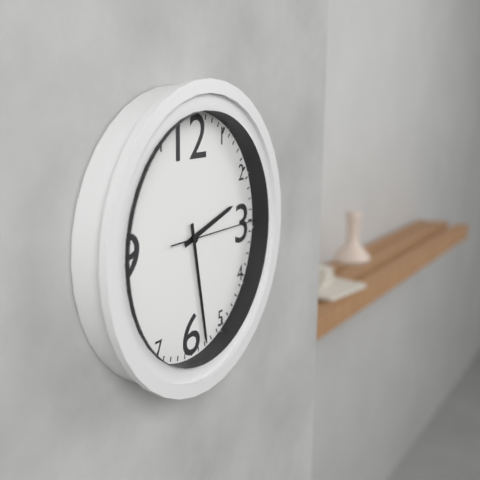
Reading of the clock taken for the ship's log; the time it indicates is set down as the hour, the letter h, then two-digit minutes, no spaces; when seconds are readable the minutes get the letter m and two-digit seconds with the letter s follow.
2h28m15s
